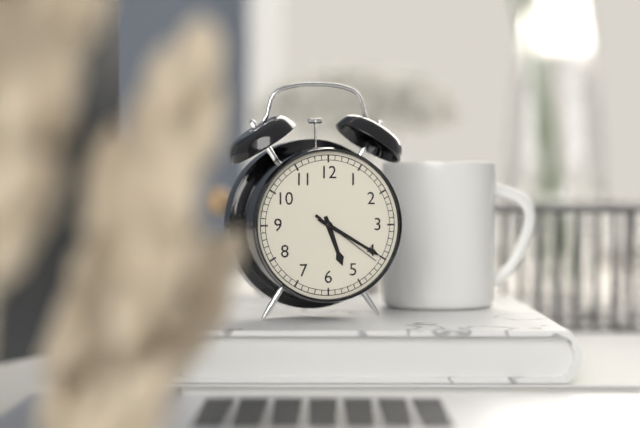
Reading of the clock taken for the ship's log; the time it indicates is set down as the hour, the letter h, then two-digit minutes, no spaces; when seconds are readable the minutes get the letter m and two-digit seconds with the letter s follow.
5h20m21s
